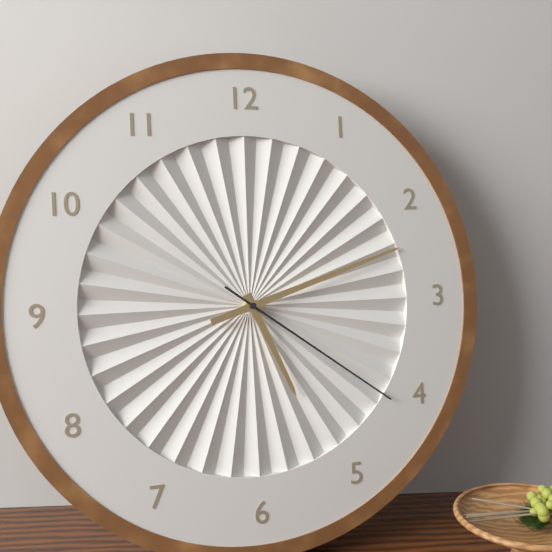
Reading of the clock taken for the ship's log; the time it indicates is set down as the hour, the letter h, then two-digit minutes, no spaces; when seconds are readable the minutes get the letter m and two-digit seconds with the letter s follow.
5h12m21s
